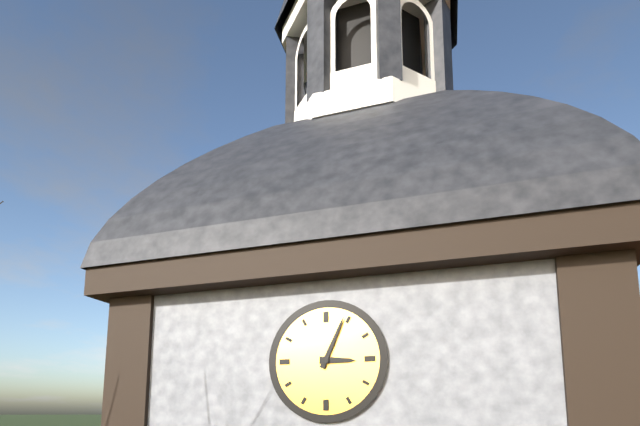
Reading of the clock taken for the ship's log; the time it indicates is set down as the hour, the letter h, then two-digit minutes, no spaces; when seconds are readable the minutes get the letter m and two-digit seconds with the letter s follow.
3h04
